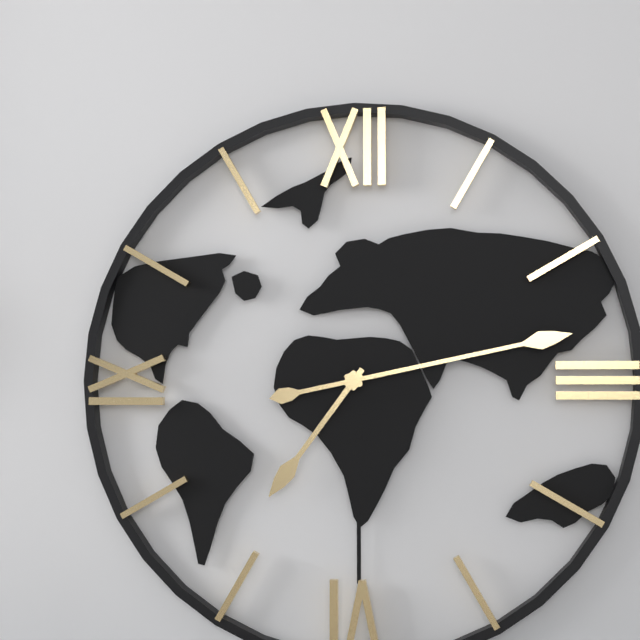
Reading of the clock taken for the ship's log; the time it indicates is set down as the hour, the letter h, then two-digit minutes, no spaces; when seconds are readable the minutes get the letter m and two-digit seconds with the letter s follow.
7h13
